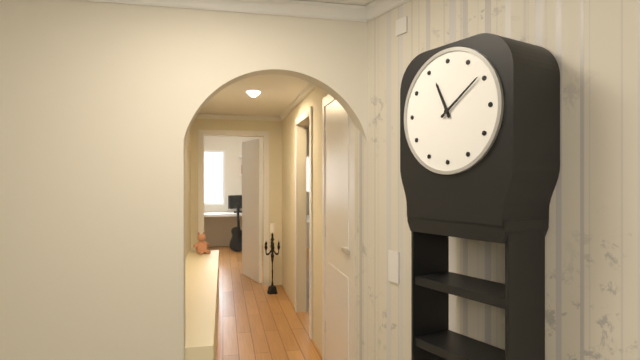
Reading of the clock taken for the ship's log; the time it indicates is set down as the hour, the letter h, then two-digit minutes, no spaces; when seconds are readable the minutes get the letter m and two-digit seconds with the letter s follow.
11h09
